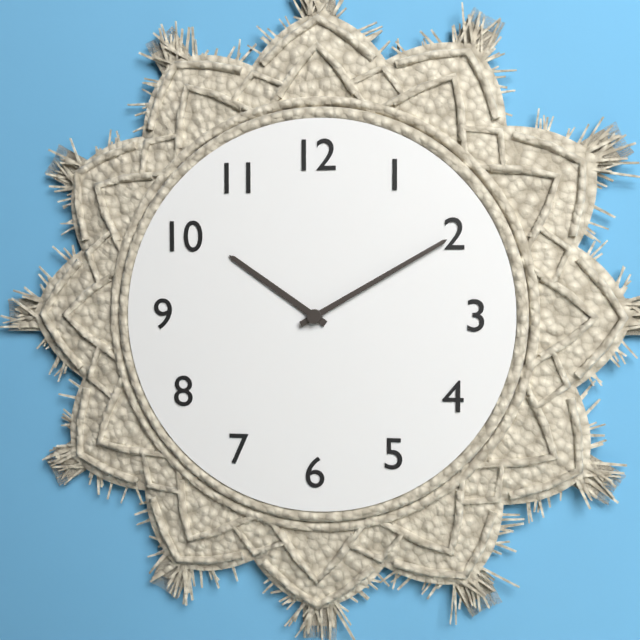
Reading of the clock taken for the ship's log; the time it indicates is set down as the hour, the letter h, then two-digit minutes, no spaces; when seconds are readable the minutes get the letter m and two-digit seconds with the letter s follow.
10h10
